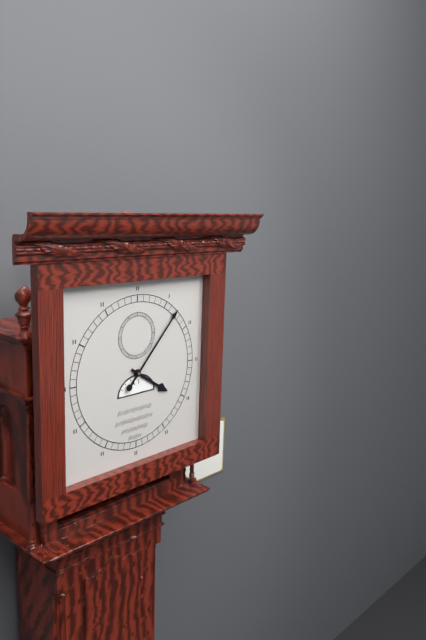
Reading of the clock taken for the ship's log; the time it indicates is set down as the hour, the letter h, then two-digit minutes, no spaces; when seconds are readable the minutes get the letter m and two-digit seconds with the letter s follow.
4h07
